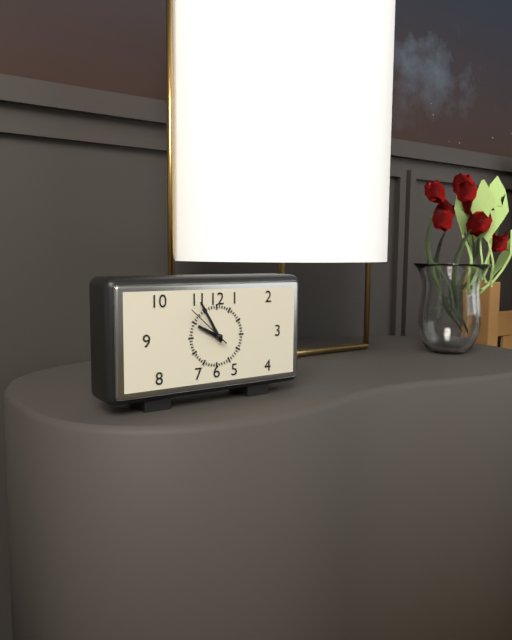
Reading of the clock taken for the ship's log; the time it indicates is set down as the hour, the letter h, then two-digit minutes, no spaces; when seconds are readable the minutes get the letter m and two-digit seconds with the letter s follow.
9h55
